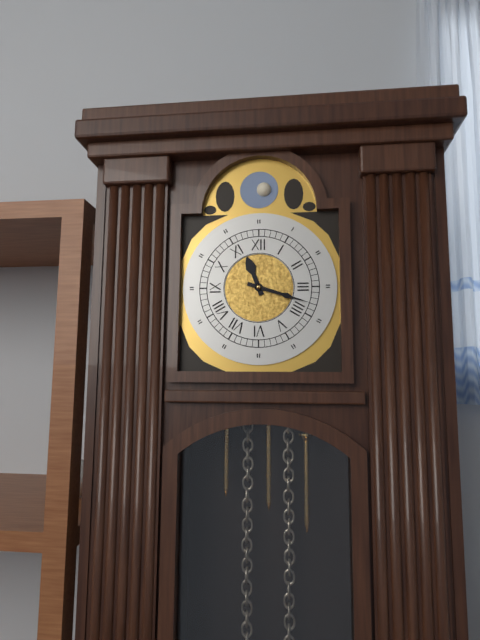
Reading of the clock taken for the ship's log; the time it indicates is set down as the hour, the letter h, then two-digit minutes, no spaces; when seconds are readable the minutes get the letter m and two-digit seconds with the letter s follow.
11h18
